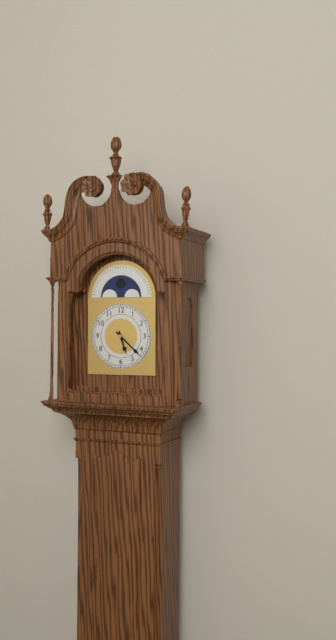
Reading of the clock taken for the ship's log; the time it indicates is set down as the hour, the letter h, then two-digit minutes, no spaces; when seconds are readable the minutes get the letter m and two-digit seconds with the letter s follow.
5h22
